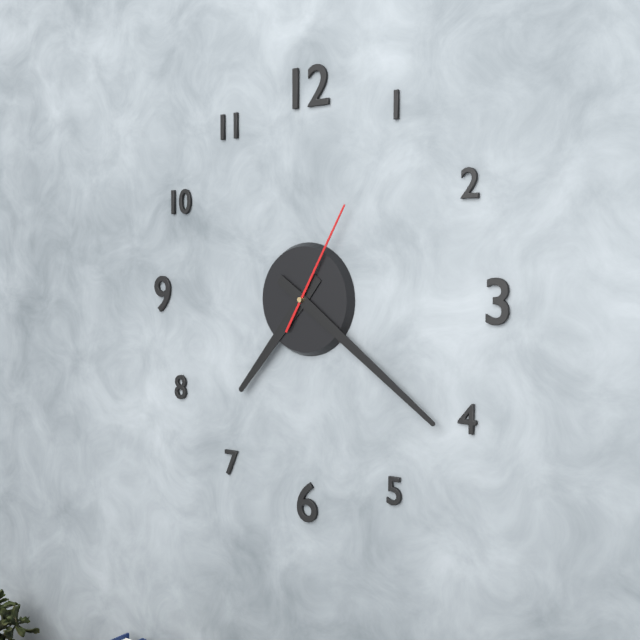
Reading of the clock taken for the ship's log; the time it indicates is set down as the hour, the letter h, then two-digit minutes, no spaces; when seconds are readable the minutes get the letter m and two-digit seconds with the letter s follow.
7h21m05s
